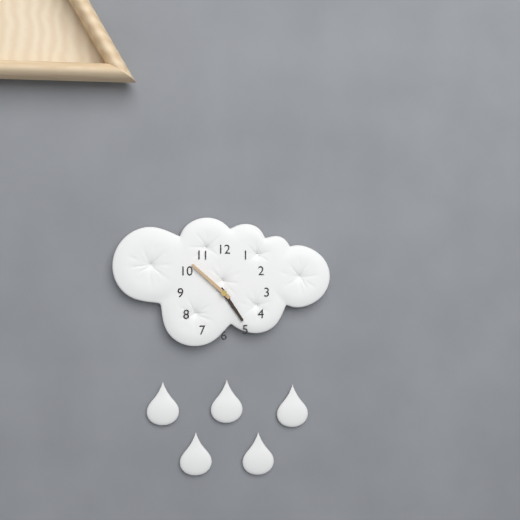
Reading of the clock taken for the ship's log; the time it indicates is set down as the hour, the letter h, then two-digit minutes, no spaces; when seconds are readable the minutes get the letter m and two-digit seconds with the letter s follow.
4h52
